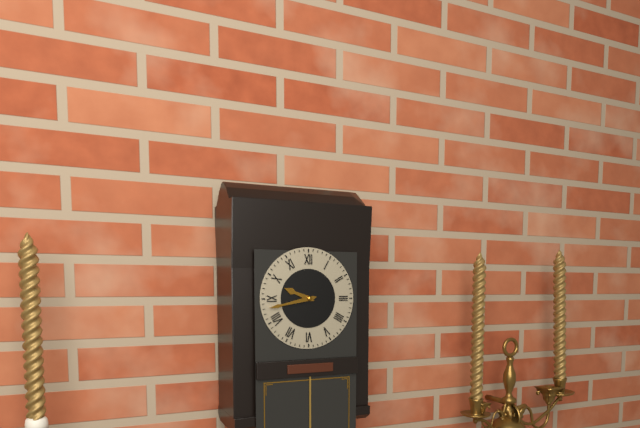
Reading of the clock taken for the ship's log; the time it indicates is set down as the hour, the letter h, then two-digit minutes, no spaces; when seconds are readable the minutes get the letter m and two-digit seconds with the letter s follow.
9h43
